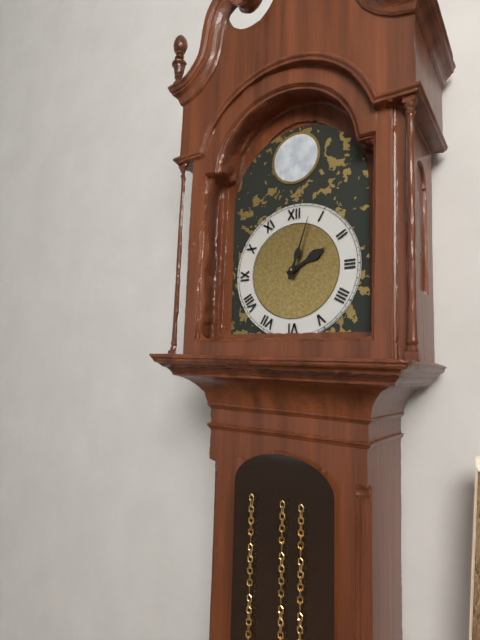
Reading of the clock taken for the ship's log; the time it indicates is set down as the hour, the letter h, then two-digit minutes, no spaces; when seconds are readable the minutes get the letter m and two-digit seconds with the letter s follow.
2h03
